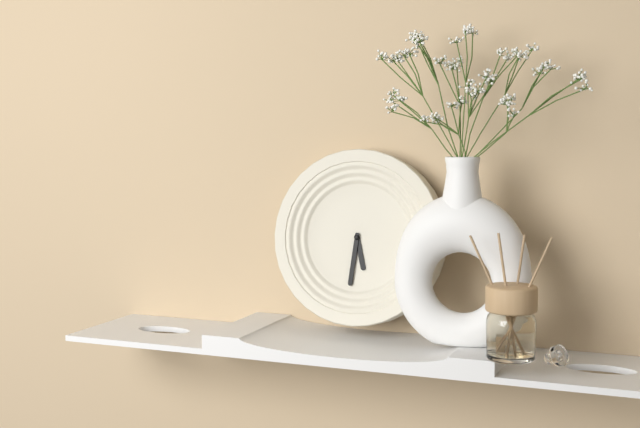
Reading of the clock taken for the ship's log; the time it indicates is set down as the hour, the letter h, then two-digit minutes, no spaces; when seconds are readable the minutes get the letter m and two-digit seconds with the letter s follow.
5h31
